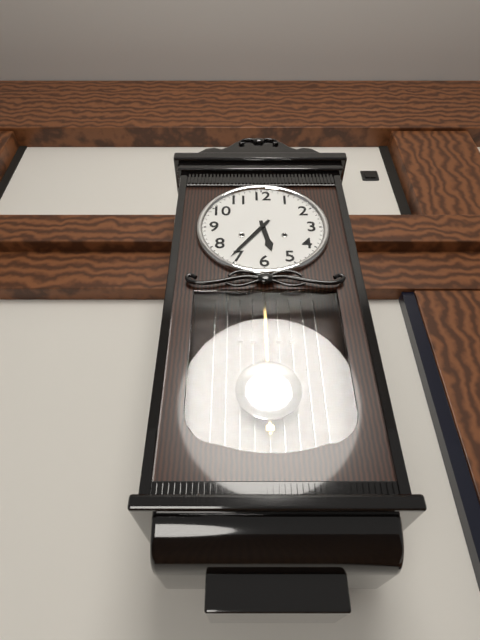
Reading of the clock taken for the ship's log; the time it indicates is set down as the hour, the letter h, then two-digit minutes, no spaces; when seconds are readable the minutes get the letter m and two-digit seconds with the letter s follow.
5h36
